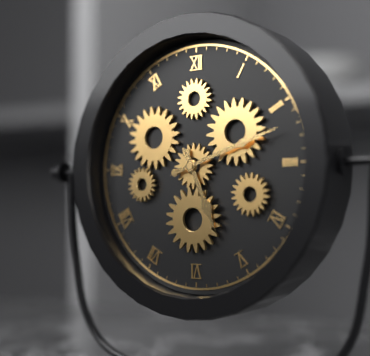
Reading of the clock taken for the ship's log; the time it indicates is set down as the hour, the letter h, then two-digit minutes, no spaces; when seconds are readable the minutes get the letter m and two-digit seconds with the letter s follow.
5h12
